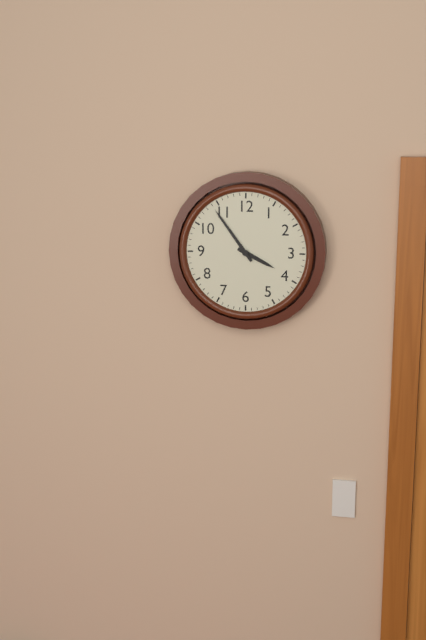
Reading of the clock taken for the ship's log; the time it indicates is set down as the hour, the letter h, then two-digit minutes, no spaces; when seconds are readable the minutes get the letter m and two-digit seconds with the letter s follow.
3h54
